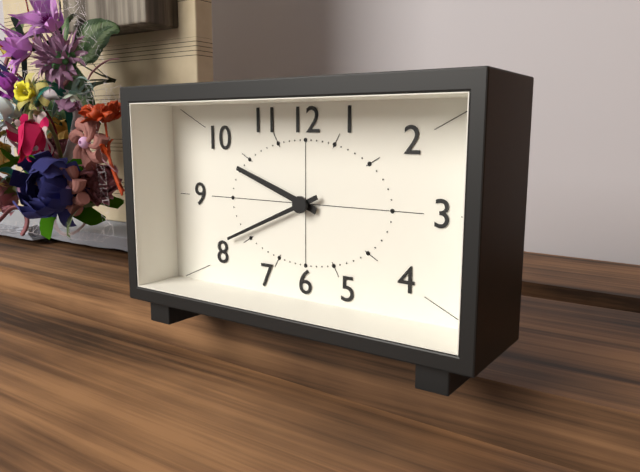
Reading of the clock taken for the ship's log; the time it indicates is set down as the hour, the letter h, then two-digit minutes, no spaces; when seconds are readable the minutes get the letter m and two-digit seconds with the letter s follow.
9h41
